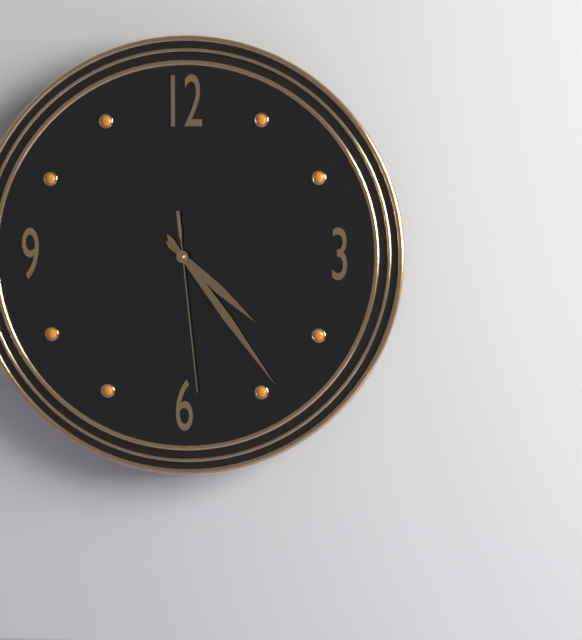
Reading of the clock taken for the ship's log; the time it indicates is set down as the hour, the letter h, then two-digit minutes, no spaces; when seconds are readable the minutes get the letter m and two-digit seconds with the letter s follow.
4h24m29s
